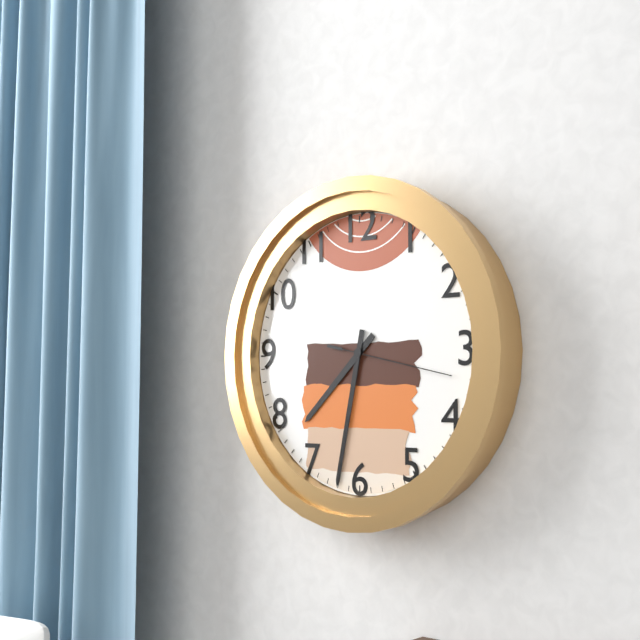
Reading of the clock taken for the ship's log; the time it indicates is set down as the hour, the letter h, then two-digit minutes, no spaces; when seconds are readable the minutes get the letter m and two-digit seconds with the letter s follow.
7h32m17s
